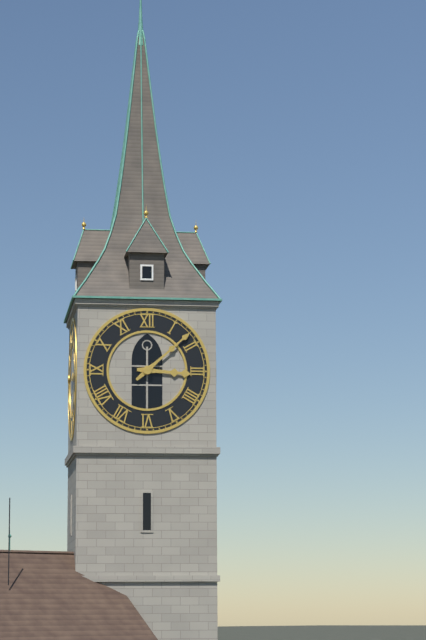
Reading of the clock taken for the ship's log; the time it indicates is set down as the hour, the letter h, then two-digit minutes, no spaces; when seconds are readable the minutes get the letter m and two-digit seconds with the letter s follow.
3h08
